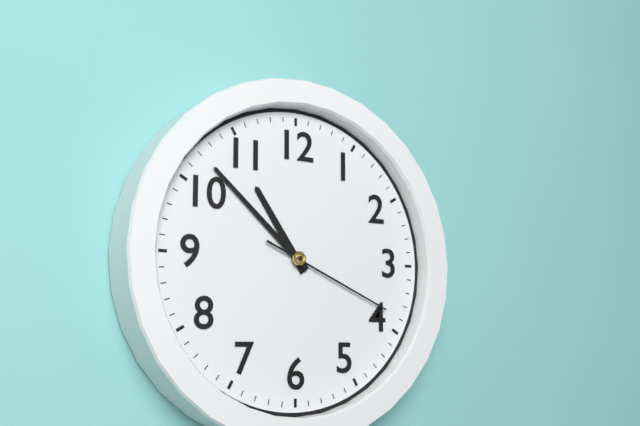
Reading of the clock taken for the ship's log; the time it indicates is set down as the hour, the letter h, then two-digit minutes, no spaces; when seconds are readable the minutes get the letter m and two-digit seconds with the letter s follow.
10h52m19s
